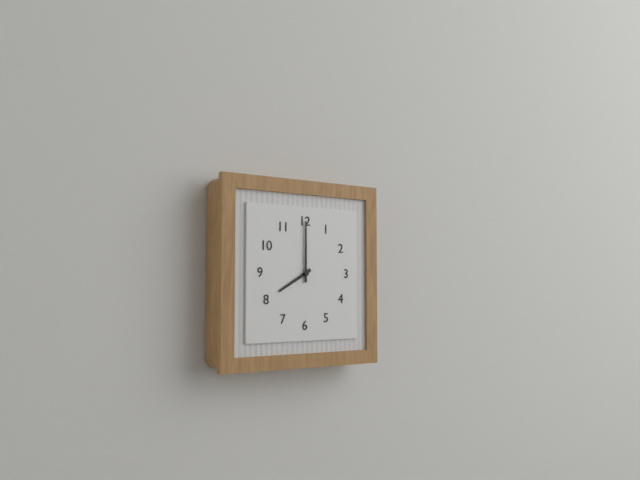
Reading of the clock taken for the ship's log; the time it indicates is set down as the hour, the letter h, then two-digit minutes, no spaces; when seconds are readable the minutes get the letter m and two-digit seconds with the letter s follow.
8h00
